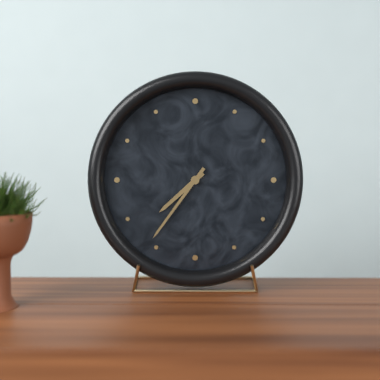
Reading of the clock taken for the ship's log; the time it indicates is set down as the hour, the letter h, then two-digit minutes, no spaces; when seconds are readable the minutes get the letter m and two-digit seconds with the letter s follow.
7h36
